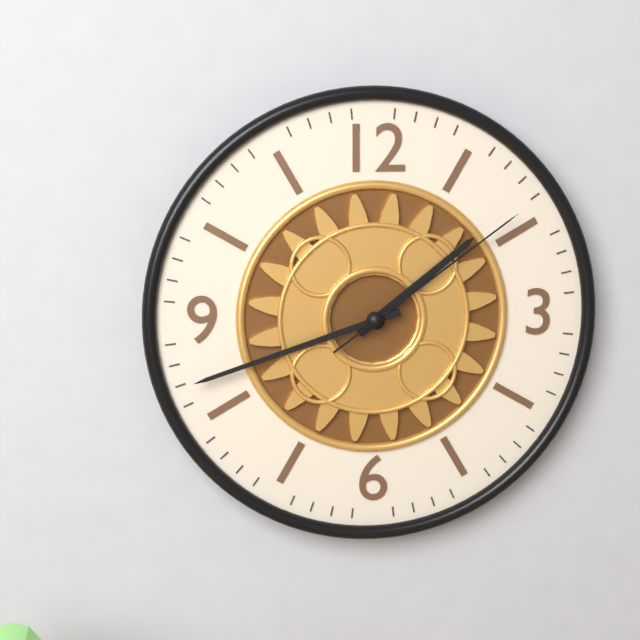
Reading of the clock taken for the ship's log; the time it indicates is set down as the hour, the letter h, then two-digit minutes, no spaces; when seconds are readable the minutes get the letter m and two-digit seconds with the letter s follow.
1h42m09s
